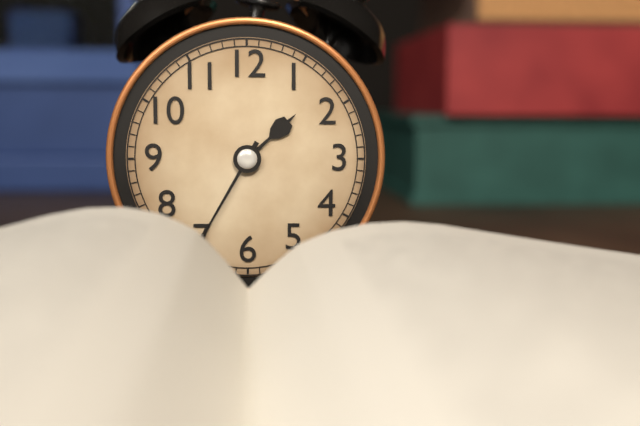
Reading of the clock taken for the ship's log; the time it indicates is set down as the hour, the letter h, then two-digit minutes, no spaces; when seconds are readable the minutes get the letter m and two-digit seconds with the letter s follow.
1h35
